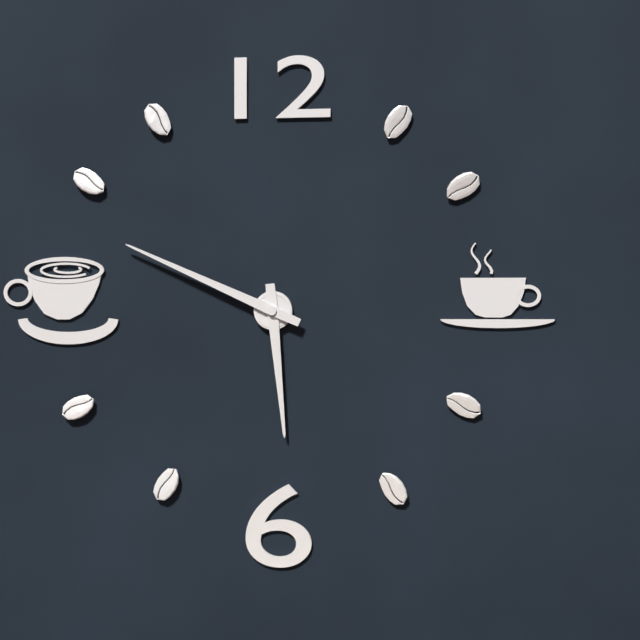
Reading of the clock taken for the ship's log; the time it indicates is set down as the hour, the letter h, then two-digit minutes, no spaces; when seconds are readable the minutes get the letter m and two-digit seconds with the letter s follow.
5h49
